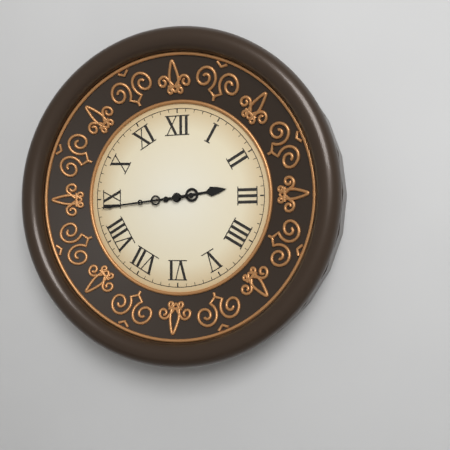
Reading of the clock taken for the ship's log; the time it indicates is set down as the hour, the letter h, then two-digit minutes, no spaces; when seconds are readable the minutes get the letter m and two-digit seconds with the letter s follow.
2h44
